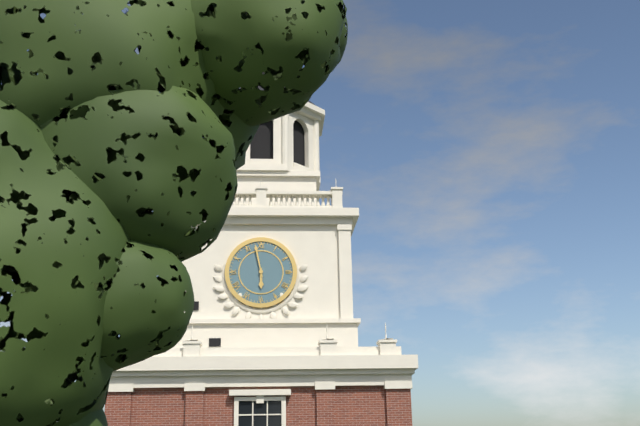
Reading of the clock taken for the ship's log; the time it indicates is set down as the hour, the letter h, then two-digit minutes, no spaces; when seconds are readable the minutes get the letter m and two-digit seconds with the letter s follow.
5h58
